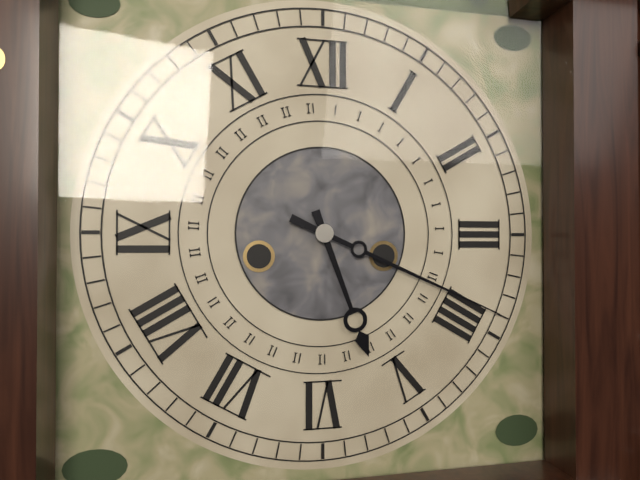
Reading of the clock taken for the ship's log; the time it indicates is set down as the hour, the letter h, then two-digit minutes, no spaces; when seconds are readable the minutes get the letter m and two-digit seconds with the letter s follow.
5h19
